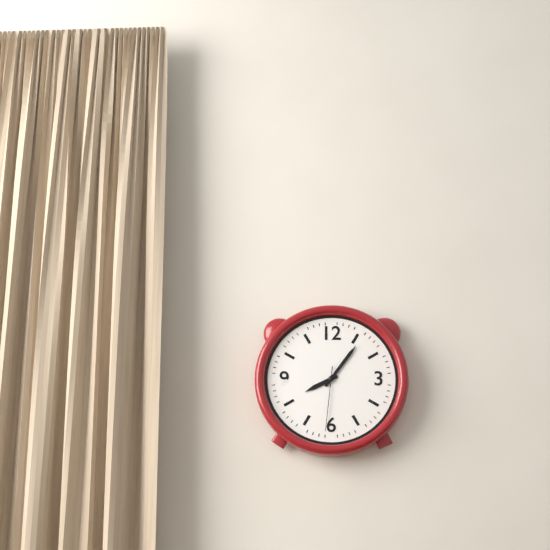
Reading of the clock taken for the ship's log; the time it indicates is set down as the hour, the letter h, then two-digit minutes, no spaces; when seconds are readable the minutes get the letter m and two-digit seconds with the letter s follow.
8h06m31s
